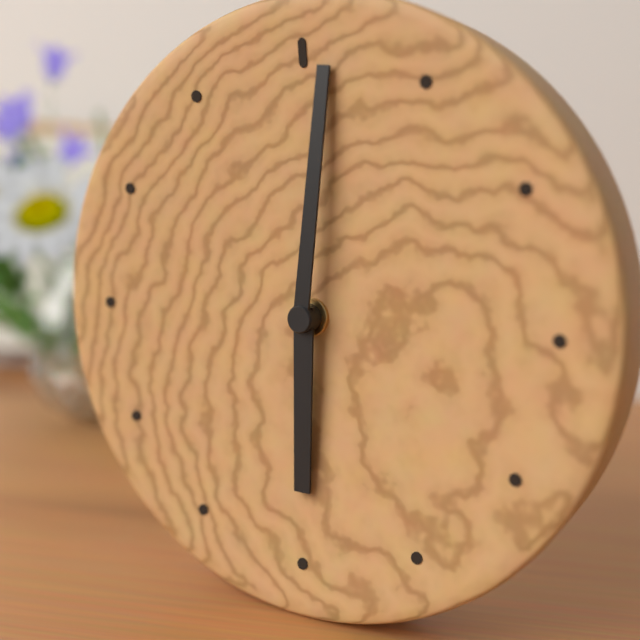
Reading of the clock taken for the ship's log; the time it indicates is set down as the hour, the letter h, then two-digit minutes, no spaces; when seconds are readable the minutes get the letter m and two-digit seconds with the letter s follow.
6h01
